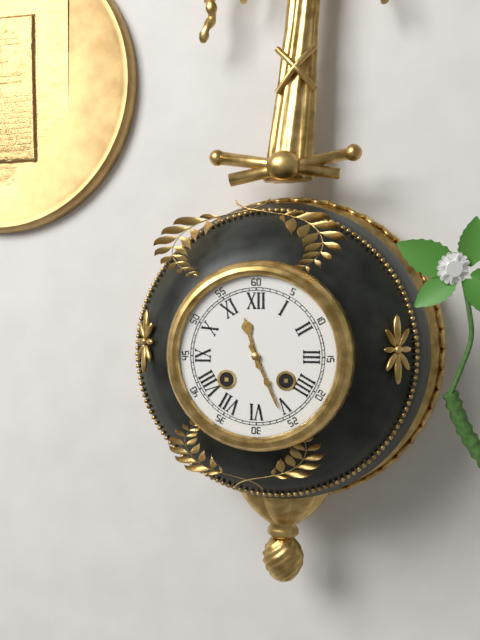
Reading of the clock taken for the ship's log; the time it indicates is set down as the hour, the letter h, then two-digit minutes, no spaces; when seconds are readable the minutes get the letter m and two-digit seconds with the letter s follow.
11h26
